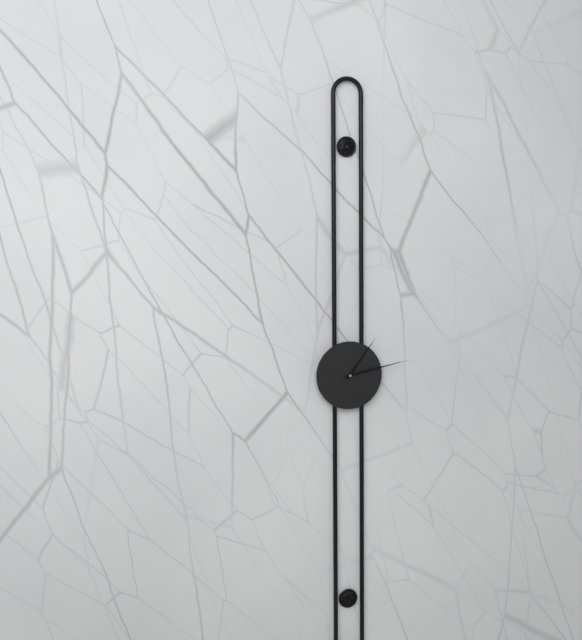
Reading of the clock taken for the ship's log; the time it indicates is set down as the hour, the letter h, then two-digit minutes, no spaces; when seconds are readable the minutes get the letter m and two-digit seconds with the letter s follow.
1h13
